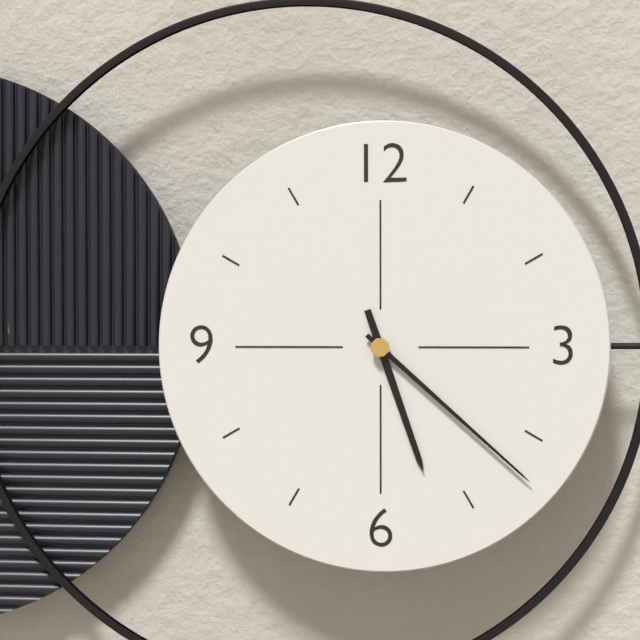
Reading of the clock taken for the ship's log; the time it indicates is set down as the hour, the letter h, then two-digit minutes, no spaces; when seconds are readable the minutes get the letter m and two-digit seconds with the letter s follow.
5h22
